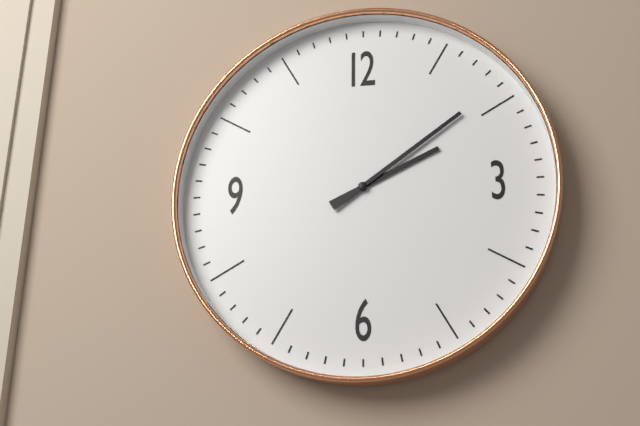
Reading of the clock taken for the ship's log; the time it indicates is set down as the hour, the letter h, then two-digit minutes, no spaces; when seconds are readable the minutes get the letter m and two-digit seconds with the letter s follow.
2h09
